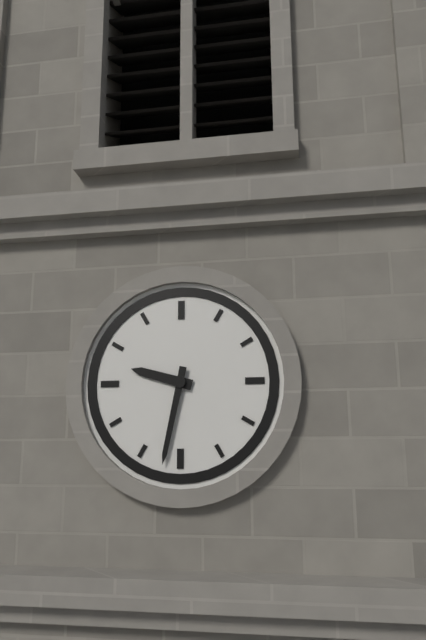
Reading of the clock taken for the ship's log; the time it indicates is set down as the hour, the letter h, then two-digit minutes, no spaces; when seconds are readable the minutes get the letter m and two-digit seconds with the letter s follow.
9h32
